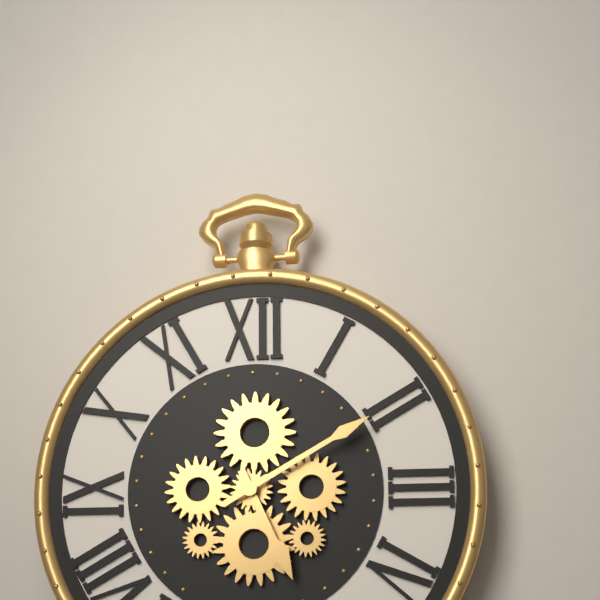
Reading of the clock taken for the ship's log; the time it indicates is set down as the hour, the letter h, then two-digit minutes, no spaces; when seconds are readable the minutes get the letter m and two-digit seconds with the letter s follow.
5h10
